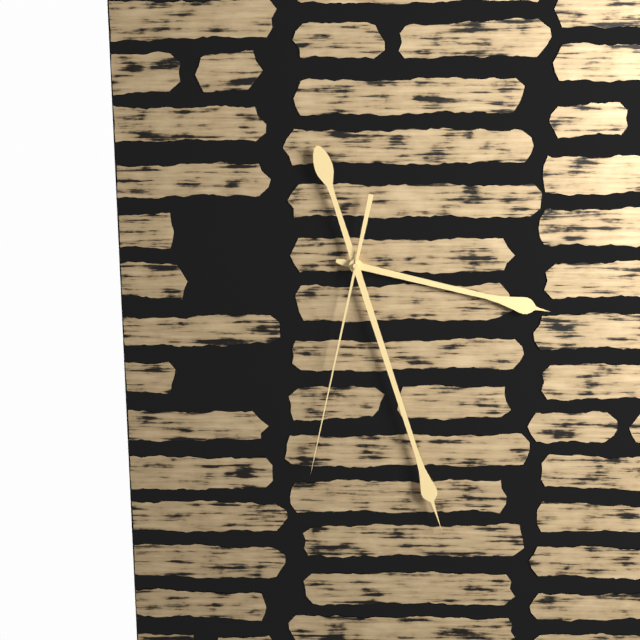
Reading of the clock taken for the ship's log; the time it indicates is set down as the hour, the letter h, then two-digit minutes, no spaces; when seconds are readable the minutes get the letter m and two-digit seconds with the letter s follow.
3h27m32s
